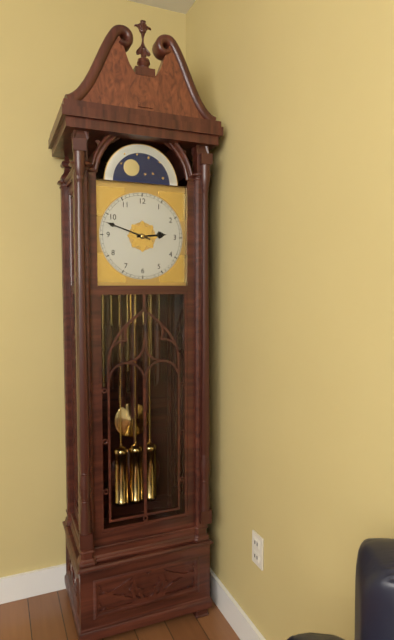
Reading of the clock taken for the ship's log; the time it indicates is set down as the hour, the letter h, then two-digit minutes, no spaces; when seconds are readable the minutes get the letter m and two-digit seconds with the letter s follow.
2h48
